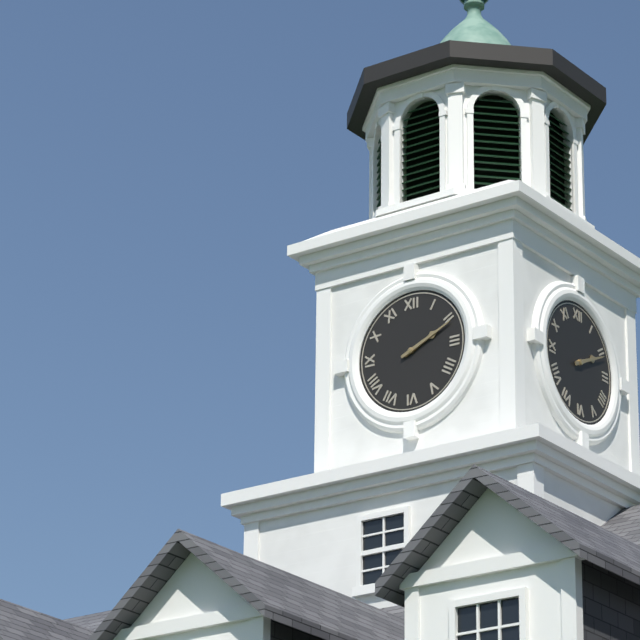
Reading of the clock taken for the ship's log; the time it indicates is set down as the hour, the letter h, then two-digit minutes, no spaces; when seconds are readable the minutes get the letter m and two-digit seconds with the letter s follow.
2h11
